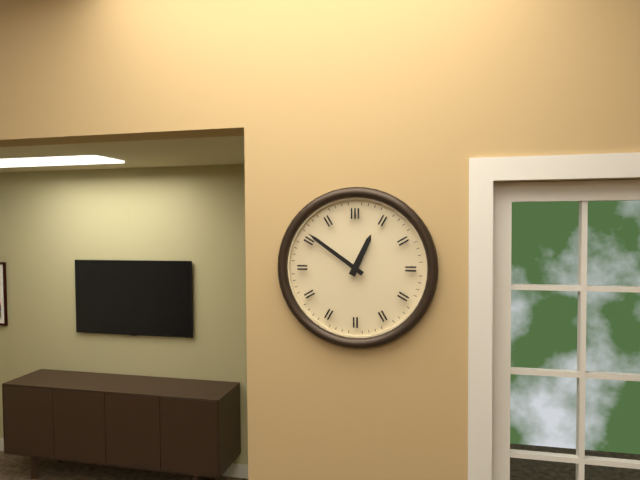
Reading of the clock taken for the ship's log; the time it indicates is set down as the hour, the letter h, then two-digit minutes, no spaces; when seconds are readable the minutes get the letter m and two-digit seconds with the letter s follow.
12h51
